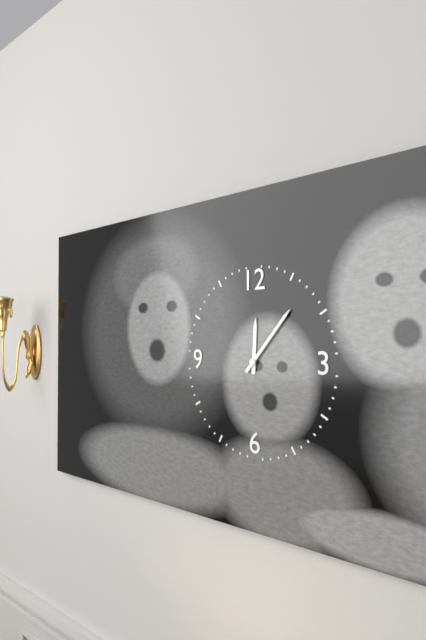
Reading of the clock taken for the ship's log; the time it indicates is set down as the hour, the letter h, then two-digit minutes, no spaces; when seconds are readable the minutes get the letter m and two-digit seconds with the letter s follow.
12h07
